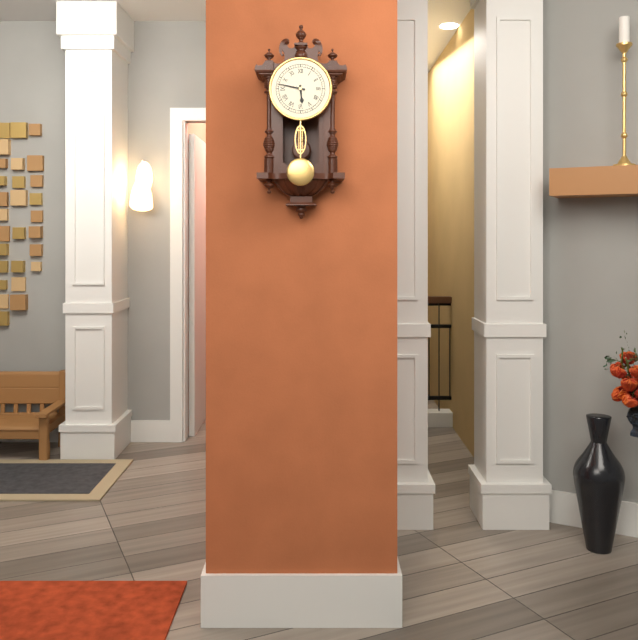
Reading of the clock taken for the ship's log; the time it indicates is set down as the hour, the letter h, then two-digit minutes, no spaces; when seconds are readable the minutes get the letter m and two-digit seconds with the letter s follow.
5h47
